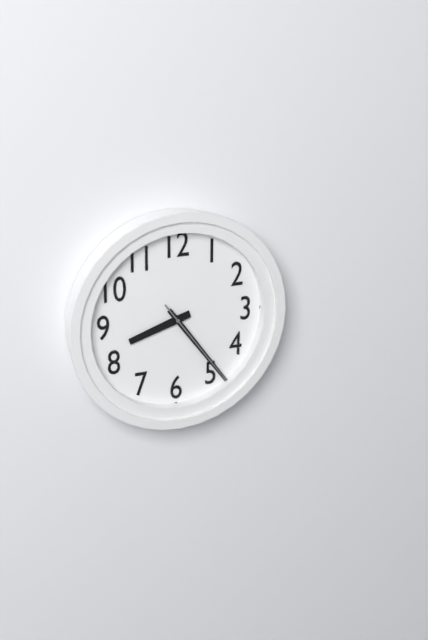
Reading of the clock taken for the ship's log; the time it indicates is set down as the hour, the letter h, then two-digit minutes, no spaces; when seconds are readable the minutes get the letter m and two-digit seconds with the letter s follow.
8h24m24s
